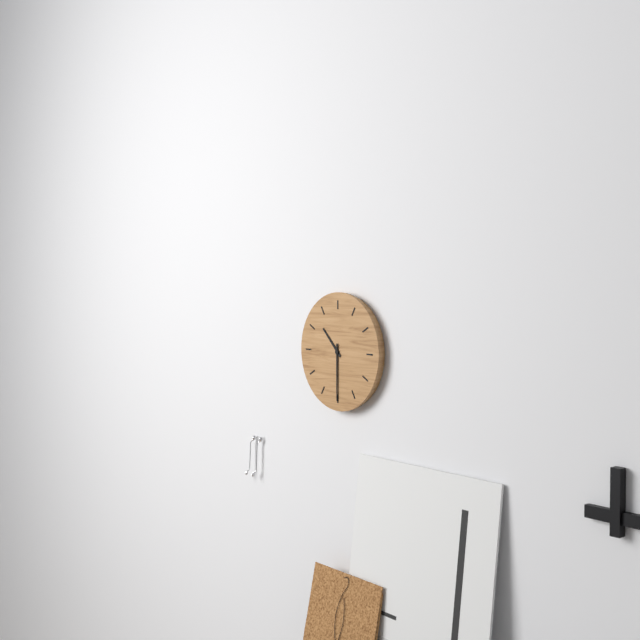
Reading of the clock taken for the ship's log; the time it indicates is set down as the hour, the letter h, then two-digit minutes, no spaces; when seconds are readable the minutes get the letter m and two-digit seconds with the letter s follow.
10h30
